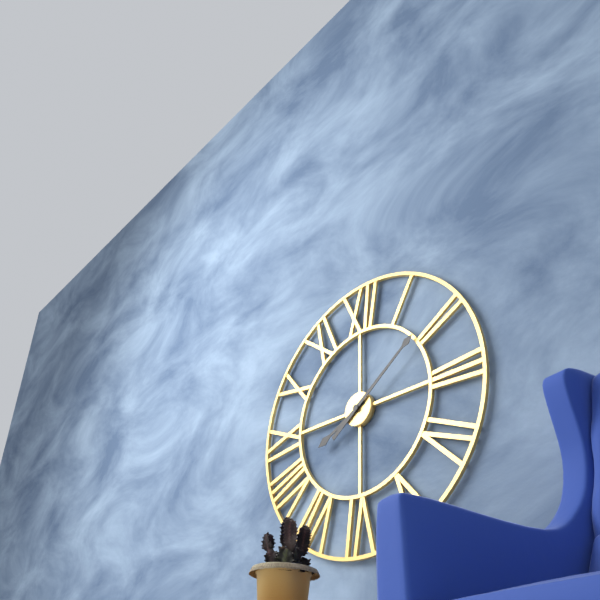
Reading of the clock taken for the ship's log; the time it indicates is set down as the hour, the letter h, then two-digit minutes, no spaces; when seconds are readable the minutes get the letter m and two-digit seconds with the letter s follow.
8h09
